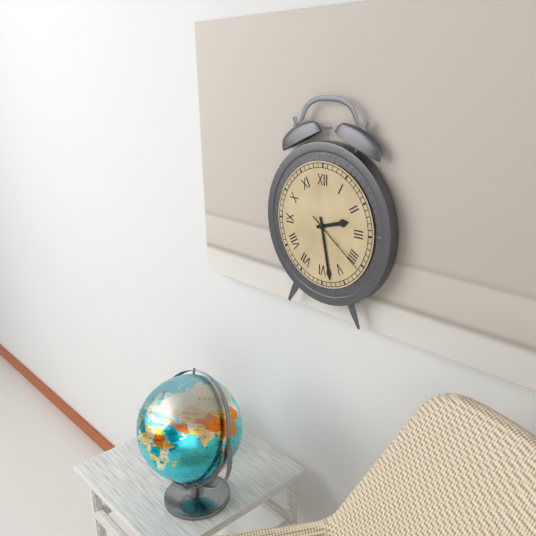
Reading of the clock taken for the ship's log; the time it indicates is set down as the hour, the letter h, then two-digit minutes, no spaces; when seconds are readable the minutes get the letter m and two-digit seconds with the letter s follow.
2h28m21s
